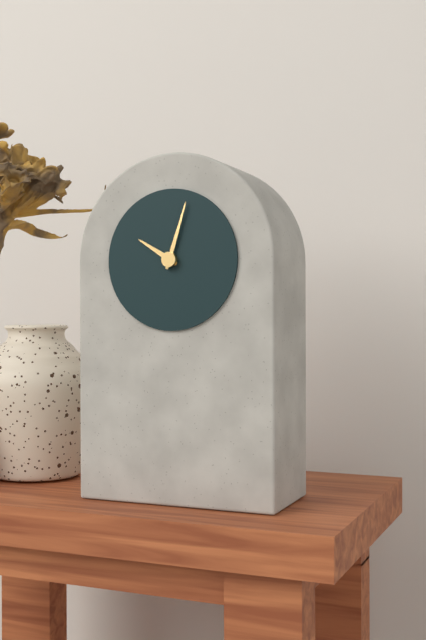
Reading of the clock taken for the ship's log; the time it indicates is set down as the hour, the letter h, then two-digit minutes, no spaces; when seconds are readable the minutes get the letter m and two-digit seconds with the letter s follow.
10h03
